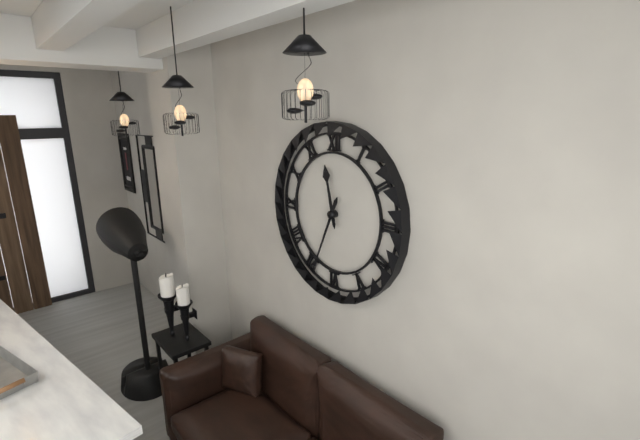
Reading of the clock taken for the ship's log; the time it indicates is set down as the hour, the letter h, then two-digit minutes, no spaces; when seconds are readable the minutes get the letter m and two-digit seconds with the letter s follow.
11h34
